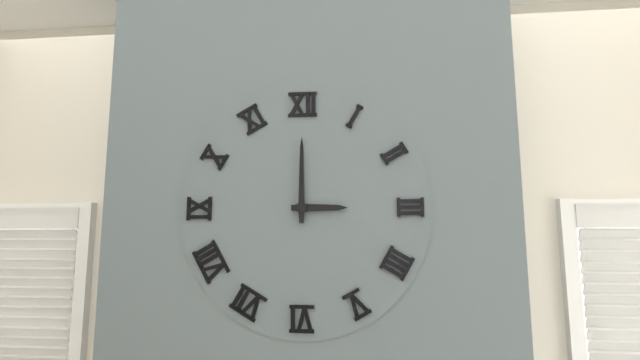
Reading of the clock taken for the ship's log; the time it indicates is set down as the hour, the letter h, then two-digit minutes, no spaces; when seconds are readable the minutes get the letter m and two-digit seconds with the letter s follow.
3h00
